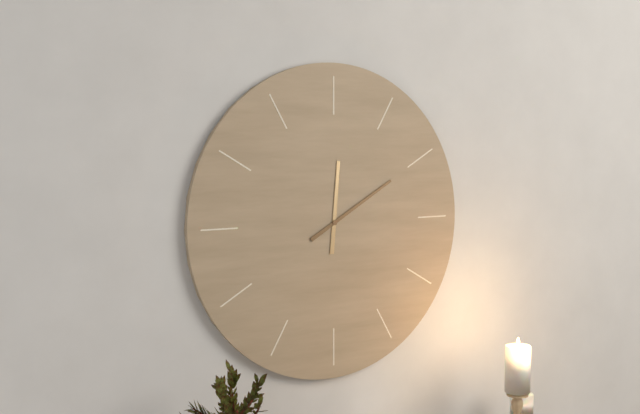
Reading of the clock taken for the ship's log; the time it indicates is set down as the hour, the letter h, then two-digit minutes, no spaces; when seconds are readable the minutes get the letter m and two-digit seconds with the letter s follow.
12h10
